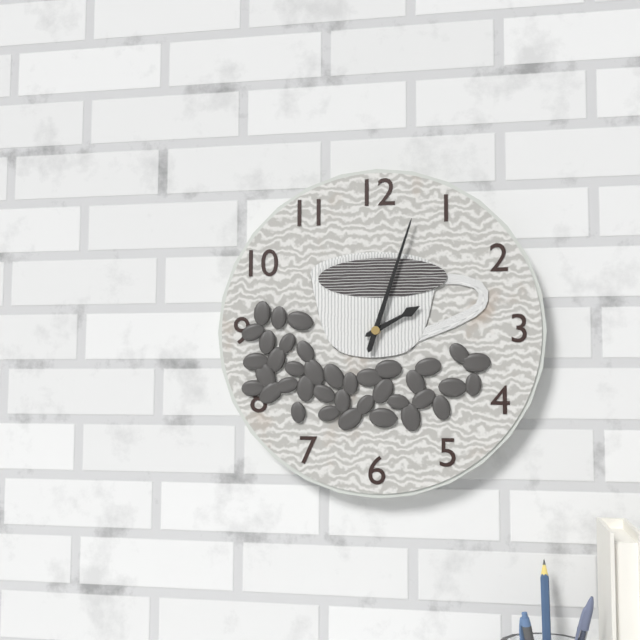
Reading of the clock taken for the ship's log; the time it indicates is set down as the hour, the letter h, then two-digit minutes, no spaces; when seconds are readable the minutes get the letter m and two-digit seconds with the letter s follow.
2h03
